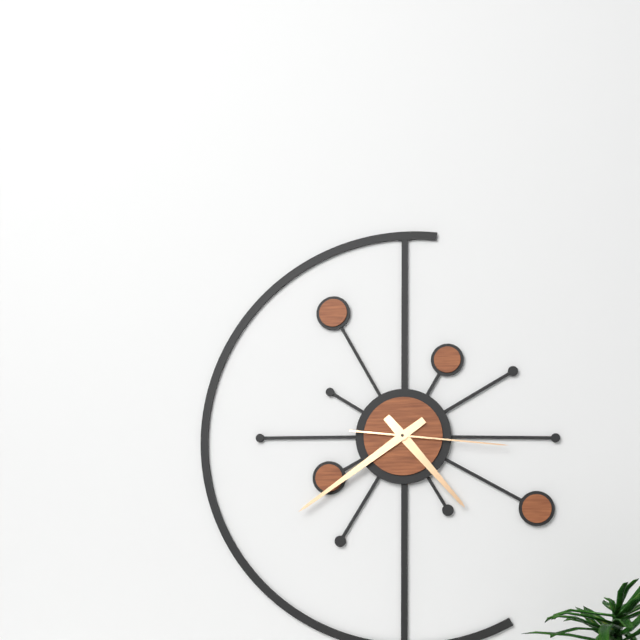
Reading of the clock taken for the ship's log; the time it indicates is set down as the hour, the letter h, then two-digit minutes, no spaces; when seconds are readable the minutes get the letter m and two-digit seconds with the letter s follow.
4h39m16s
